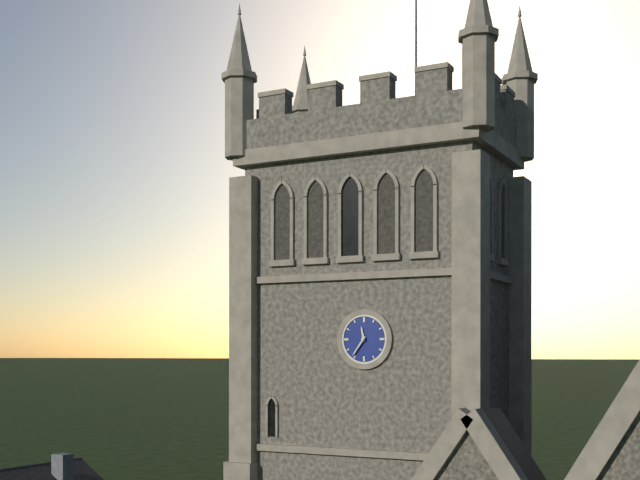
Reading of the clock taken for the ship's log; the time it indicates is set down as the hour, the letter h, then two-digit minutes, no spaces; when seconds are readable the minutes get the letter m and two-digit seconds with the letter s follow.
11h36
